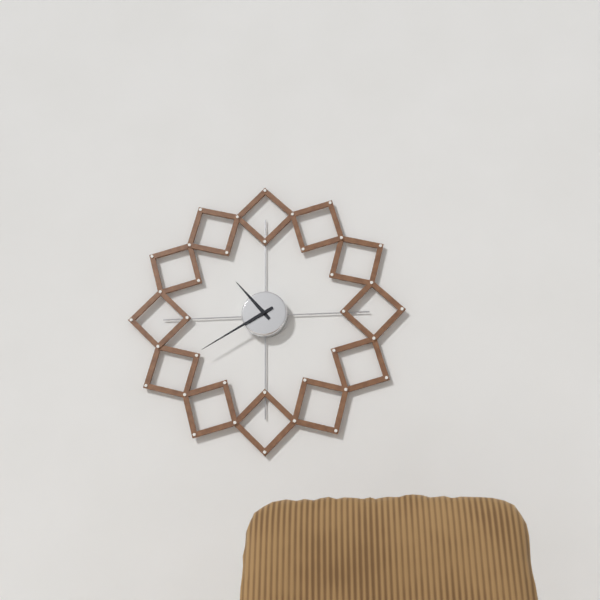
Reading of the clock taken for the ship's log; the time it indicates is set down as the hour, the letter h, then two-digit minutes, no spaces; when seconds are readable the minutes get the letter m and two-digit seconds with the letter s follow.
10h40
